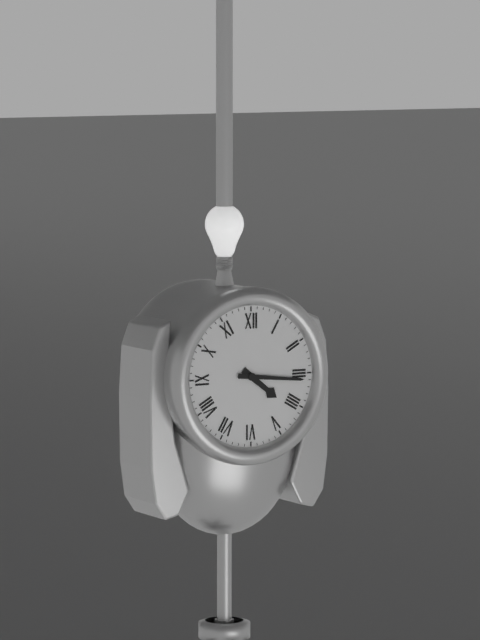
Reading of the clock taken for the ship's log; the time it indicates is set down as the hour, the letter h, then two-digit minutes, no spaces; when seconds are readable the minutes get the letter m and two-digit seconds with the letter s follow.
4h16
